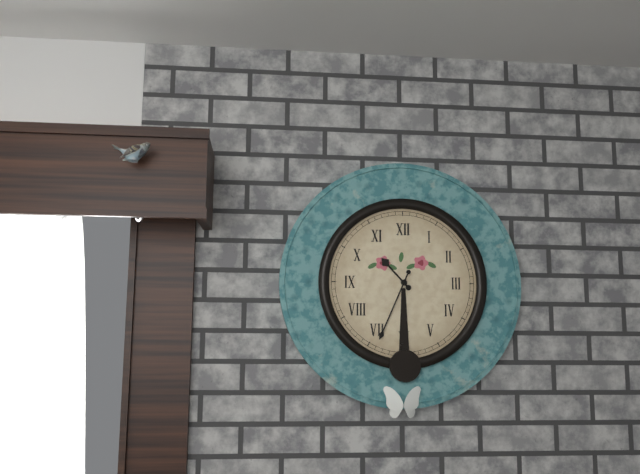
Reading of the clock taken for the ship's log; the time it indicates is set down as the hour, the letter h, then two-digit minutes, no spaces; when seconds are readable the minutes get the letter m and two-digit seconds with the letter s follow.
10h34
